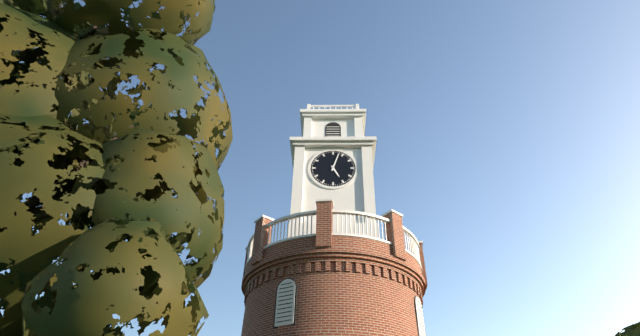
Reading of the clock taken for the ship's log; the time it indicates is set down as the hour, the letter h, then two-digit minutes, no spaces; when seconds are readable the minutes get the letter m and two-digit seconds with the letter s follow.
5h03
